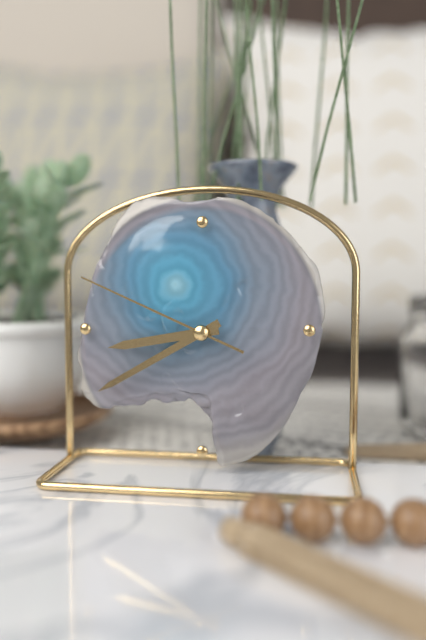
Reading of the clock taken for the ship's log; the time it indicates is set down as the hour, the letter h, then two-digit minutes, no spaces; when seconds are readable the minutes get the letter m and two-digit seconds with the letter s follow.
8h40m49s
